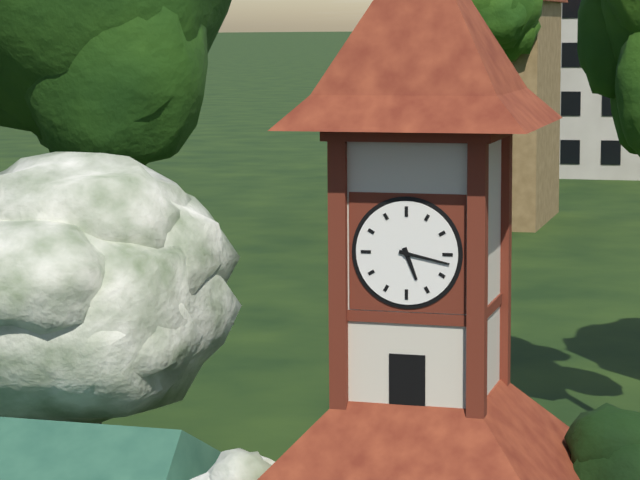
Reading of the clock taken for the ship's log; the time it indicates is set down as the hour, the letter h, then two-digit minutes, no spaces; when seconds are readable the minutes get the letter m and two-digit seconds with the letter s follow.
5h17
